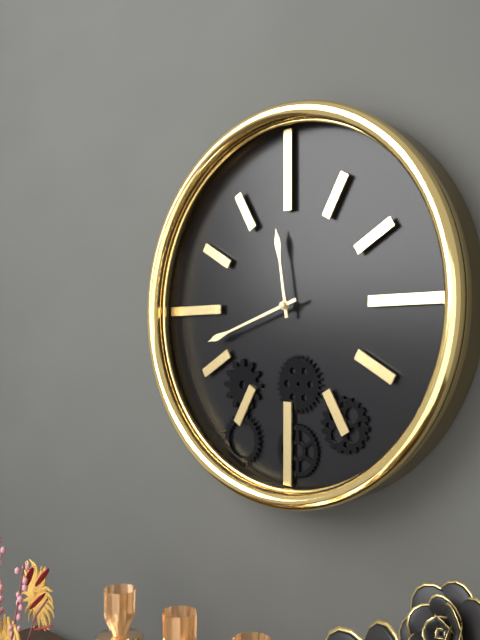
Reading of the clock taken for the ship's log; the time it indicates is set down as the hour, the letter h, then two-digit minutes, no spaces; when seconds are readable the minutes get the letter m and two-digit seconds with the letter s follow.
11h42
